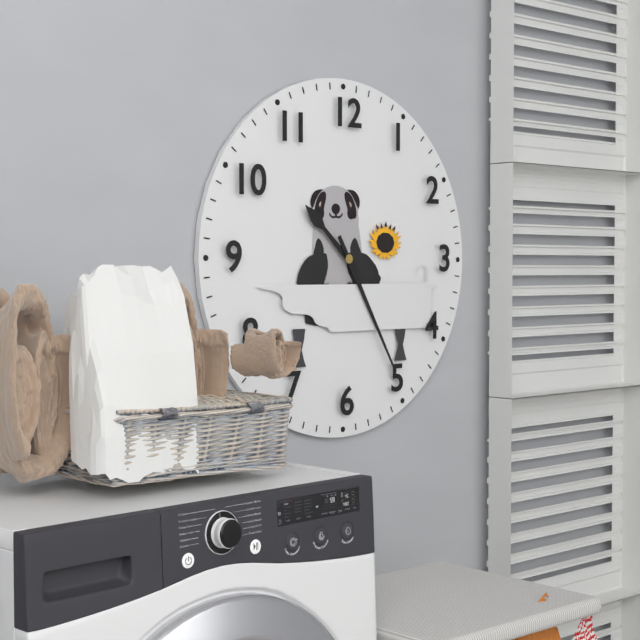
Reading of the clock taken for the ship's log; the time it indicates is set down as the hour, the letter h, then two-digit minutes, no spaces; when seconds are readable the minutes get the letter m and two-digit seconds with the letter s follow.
10h25
